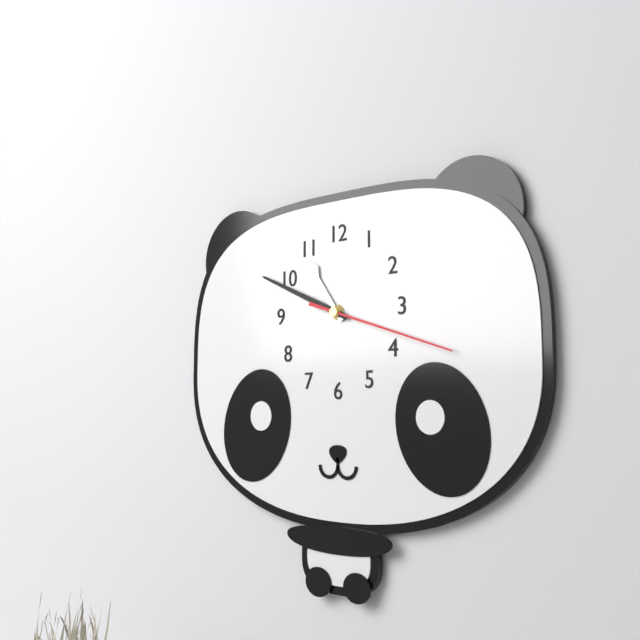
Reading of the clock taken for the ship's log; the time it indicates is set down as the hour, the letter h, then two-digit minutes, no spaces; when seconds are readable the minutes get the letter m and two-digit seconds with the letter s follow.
10h49m18s
